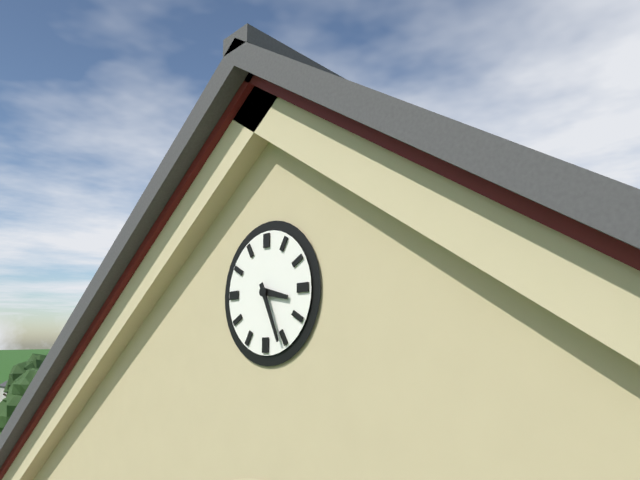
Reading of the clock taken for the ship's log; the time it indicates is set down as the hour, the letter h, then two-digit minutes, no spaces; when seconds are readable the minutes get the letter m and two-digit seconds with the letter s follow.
3h26
